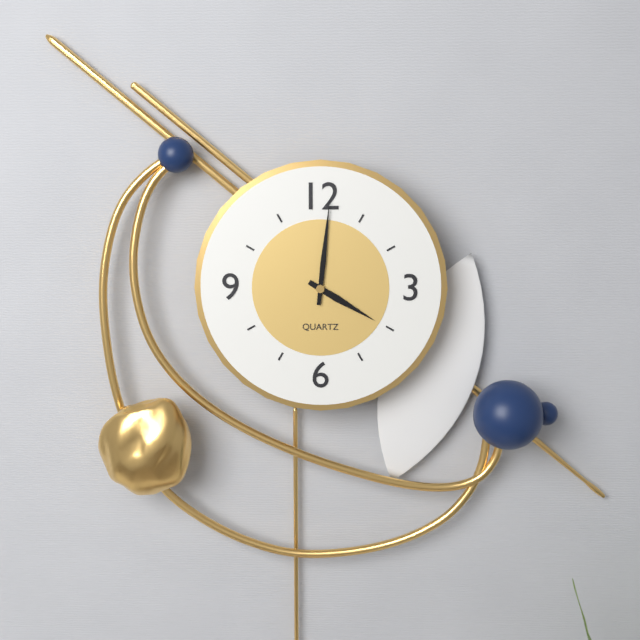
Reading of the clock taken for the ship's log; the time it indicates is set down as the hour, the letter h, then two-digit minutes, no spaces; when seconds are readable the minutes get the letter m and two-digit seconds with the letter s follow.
4h01
